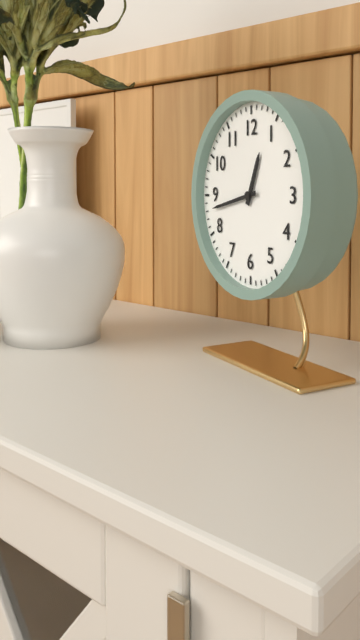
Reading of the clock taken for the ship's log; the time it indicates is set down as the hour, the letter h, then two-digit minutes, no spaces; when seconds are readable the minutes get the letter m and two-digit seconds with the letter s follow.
12h43
